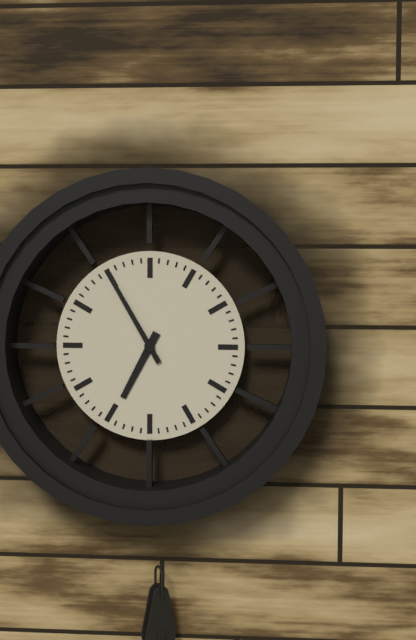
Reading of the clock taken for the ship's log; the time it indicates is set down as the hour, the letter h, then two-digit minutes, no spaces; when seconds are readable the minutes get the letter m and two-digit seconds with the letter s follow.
6h55
